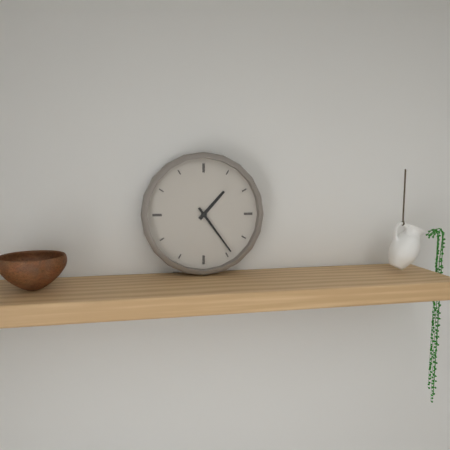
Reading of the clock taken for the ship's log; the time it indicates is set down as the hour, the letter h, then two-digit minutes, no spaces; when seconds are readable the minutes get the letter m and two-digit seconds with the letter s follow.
1h24
